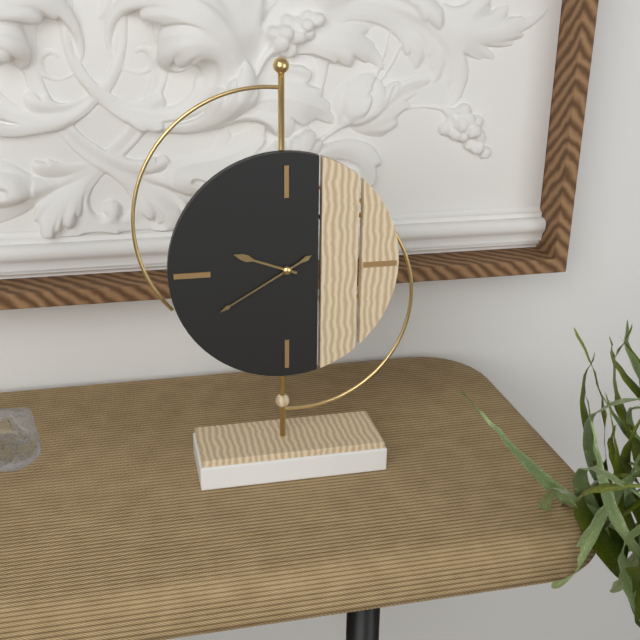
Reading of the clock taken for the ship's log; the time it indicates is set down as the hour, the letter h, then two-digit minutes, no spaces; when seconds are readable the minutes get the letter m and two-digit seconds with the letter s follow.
9h40
